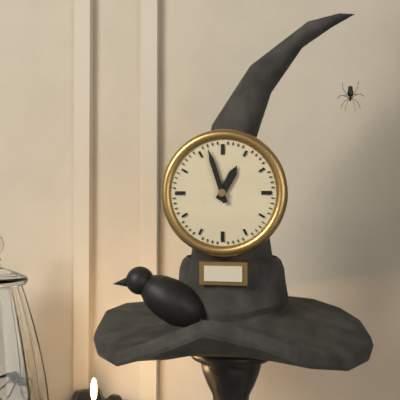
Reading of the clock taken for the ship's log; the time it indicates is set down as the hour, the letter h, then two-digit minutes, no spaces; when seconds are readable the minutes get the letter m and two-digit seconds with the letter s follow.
12h57
